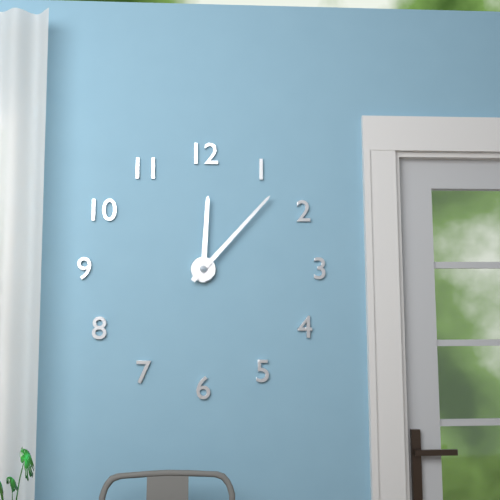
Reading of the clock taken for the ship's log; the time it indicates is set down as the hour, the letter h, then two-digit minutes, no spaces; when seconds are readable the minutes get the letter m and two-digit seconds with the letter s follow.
12h07
